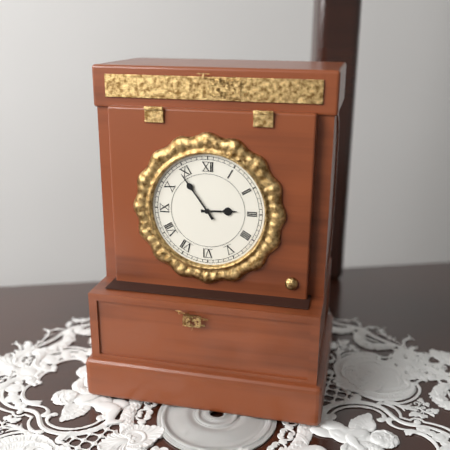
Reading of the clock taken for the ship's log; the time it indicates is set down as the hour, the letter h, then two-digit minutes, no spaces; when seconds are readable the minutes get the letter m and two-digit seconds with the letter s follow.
2h54
